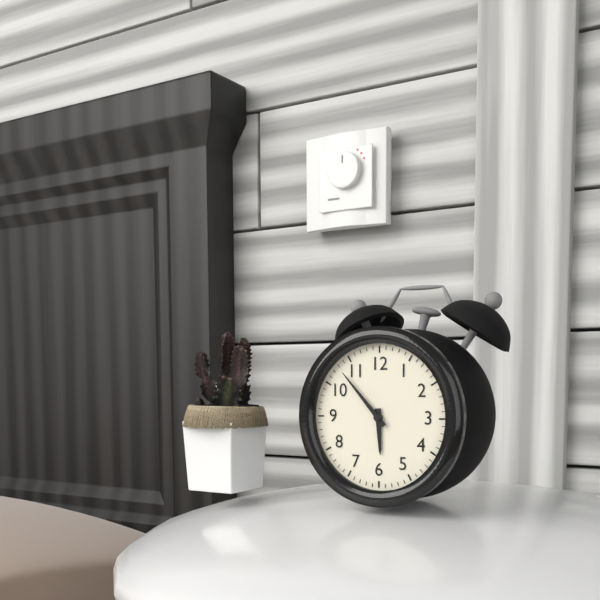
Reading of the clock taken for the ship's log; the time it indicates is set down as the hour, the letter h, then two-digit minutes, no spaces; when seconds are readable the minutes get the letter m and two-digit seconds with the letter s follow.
5h53
